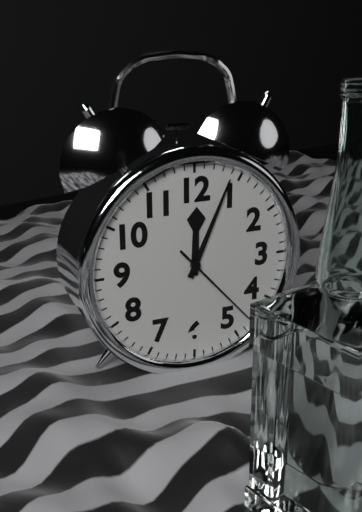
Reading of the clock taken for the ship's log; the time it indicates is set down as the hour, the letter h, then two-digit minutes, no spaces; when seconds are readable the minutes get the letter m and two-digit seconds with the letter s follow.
12h04m23s
